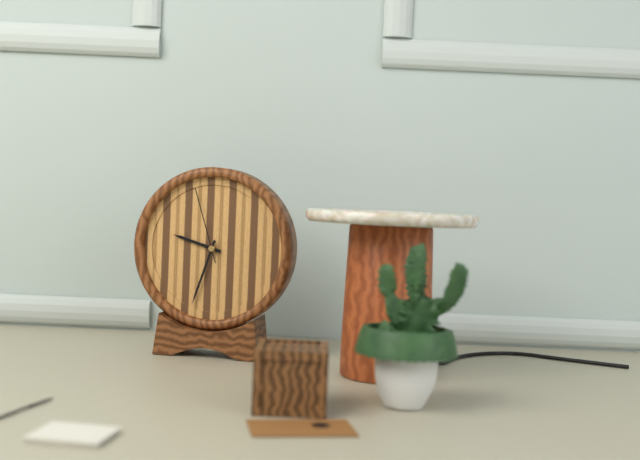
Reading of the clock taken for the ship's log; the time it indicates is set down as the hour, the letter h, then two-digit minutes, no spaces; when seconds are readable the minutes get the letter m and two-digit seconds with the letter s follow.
9h33m57s
